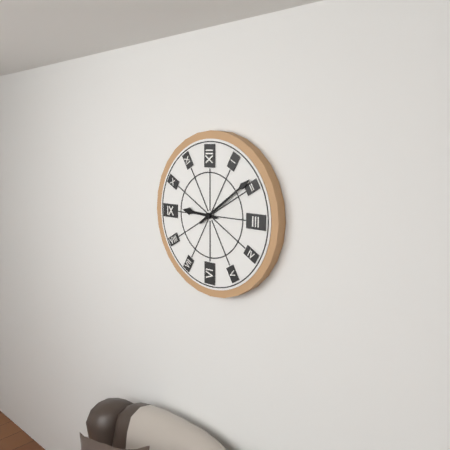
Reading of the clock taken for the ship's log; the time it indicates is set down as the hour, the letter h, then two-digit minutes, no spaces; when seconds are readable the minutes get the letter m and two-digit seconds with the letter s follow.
9h09
